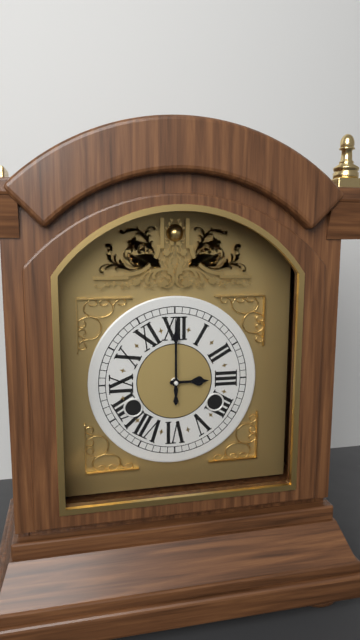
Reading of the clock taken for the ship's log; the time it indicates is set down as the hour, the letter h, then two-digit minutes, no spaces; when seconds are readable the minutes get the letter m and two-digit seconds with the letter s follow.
3h00
